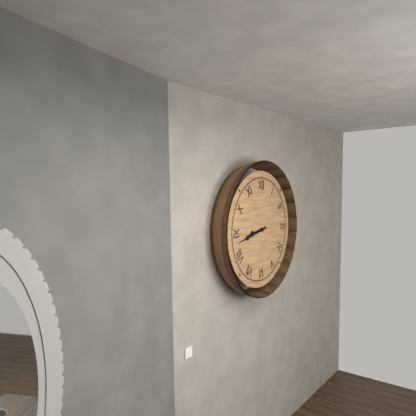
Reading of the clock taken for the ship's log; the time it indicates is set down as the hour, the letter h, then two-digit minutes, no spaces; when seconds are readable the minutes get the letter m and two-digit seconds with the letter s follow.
8h43
